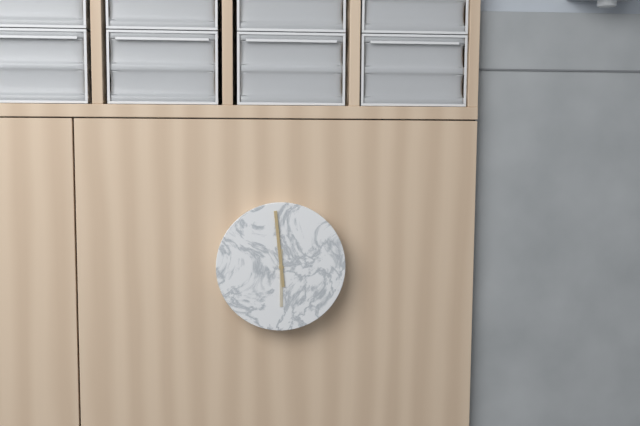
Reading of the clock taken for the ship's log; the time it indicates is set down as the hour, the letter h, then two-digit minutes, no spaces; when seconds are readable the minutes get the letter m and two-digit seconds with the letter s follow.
5h59
